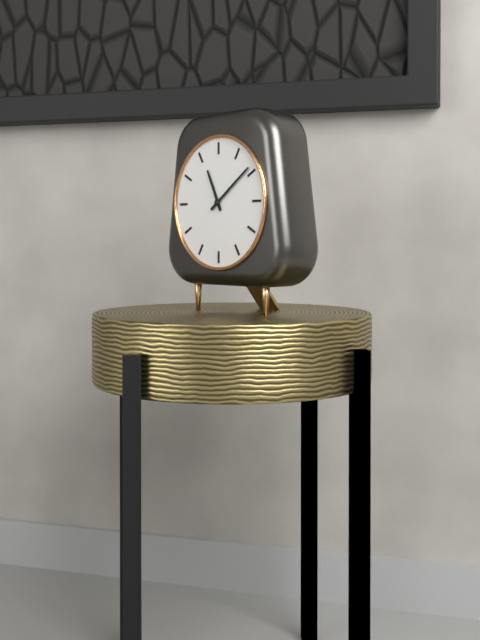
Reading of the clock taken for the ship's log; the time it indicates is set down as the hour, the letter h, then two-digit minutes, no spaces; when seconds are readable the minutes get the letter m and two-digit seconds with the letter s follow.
11h09
